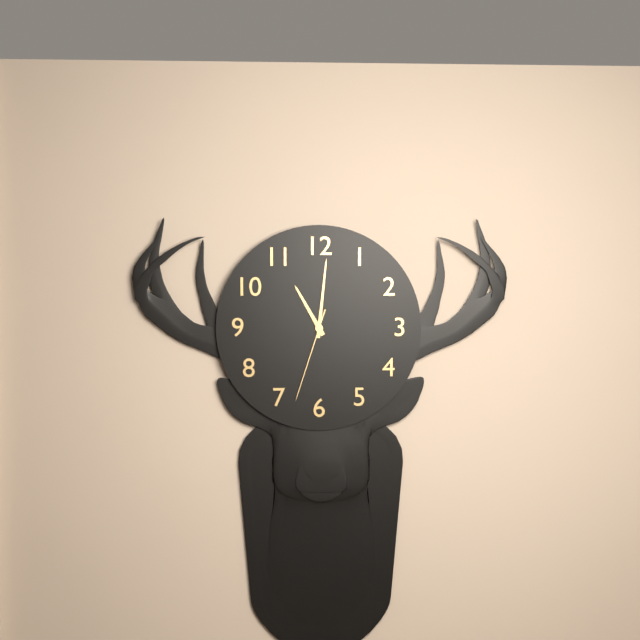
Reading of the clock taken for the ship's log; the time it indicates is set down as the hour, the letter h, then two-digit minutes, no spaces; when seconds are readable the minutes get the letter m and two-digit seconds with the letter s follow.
11h01m33s
